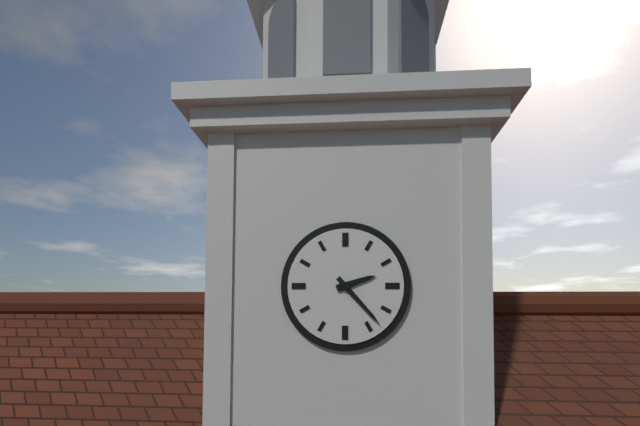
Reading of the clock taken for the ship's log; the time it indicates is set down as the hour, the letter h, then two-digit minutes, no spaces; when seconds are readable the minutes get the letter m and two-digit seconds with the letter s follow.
2h23
